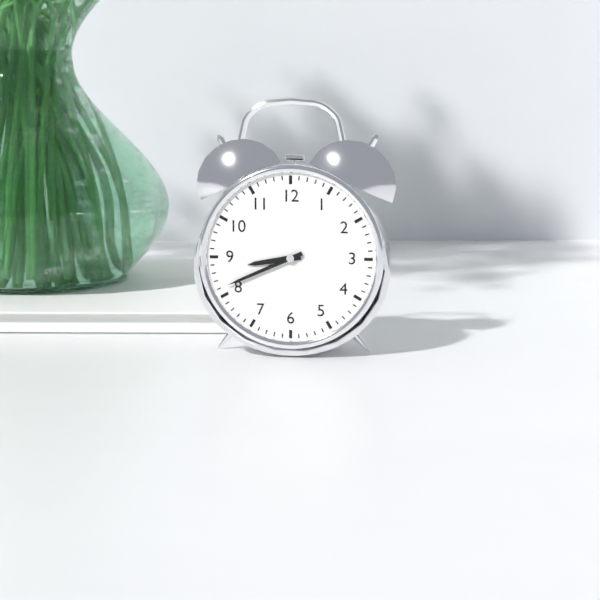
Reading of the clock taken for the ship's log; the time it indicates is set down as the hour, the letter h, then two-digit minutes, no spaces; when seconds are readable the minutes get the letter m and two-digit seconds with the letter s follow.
8h41
